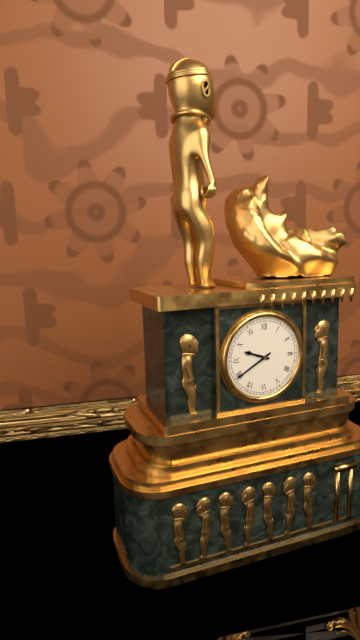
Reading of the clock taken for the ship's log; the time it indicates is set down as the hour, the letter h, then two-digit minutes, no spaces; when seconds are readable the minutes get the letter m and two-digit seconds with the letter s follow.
9h40
